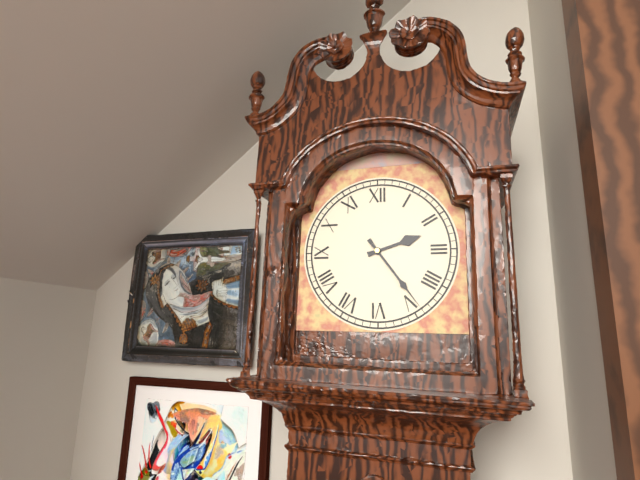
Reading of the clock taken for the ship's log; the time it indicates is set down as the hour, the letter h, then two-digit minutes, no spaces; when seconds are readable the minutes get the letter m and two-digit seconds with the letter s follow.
2h24
